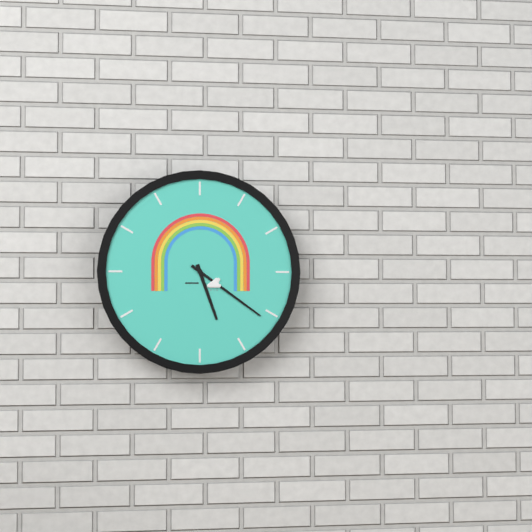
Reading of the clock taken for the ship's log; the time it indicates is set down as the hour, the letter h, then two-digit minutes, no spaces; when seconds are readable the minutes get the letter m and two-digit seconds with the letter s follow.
5h21
